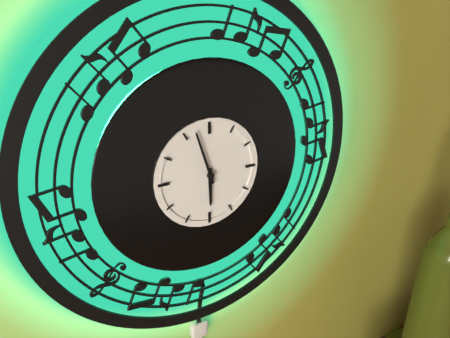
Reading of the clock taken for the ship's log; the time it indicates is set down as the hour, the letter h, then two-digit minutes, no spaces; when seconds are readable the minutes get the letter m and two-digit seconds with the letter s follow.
5h57
